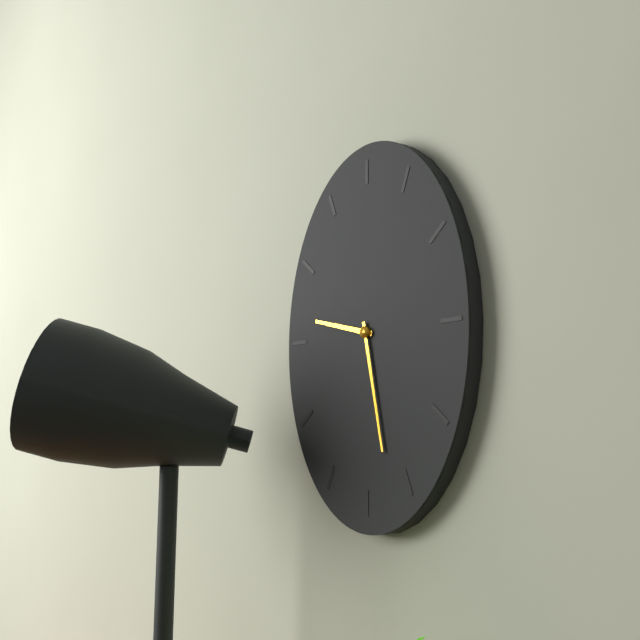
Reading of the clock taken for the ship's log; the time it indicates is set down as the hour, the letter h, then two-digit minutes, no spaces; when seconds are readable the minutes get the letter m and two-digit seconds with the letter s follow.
9h28
